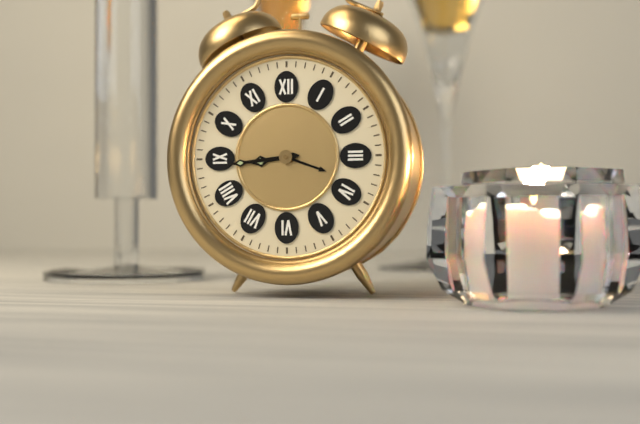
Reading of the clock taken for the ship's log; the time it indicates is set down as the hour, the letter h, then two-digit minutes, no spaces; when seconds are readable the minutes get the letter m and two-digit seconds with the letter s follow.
8h44
